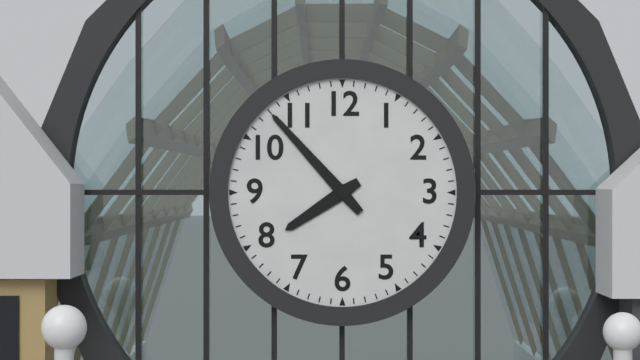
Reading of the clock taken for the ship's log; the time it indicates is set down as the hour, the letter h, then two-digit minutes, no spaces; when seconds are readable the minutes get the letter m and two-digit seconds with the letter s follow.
7h53
